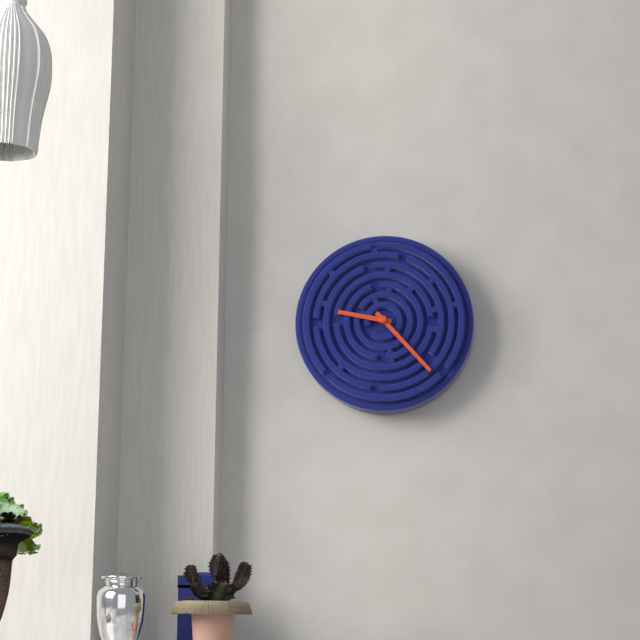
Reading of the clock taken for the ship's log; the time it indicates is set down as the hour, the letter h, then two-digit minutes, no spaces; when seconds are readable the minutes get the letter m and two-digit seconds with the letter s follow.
9h23
